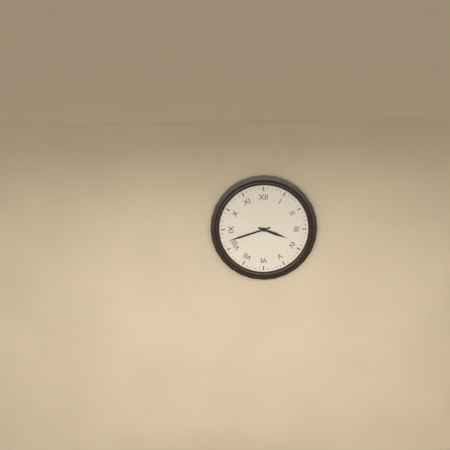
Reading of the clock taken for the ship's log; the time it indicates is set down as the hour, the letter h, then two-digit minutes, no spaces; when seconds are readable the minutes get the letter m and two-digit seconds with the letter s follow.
3h42
